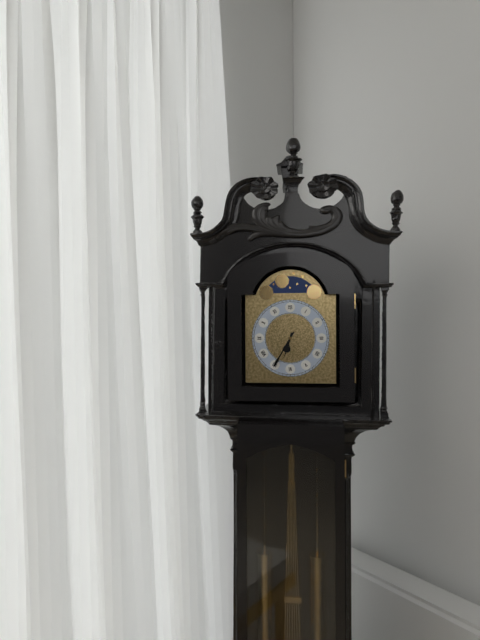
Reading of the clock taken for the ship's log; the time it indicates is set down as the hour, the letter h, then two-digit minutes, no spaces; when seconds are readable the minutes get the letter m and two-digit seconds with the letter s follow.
6h35
